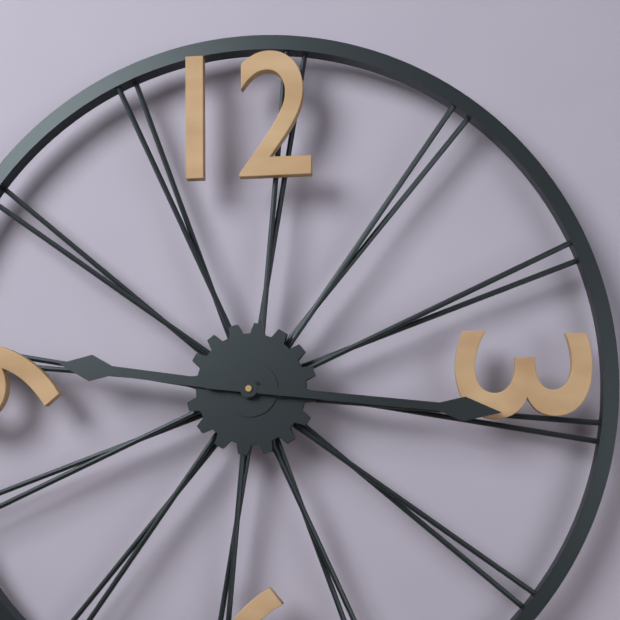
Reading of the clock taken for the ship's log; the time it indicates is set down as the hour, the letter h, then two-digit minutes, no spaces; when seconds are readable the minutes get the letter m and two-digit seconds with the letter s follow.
9h16
